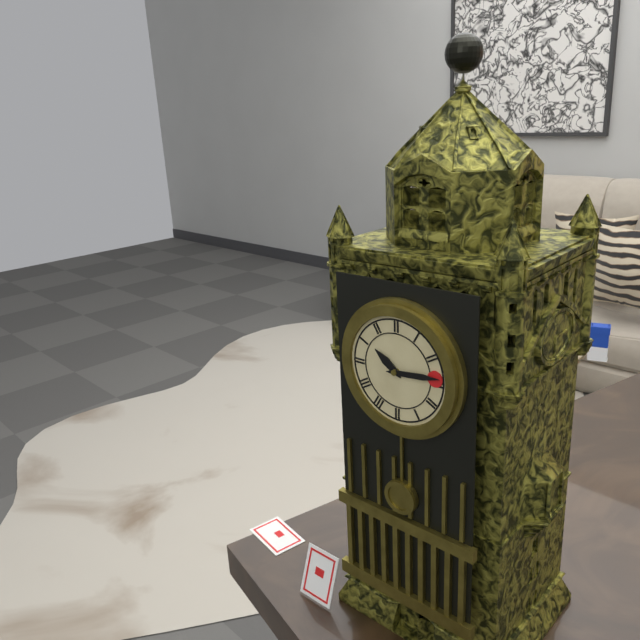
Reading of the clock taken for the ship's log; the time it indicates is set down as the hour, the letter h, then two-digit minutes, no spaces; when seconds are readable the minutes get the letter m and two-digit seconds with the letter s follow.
10h14
